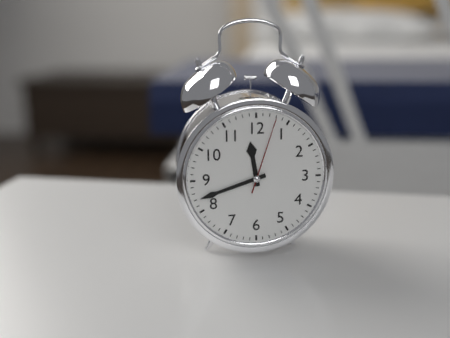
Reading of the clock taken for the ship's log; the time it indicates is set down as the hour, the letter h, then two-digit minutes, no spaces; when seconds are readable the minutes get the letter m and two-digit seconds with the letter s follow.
11h42m03s
